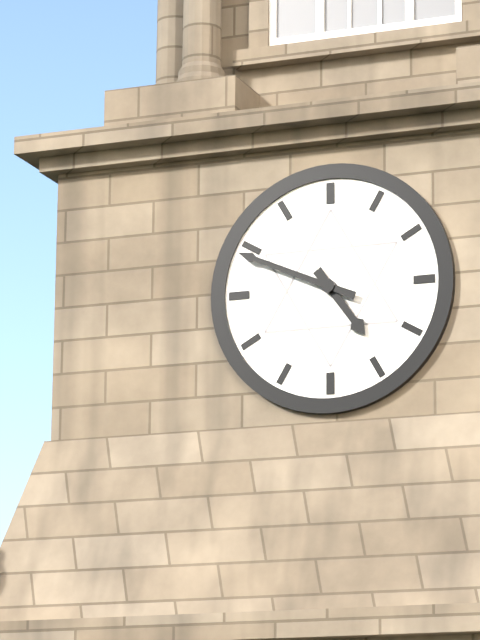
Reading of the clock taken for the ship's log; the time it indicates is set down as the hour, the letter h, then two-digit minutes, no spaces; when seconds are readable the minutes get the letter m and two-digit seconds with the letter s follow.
4h49
